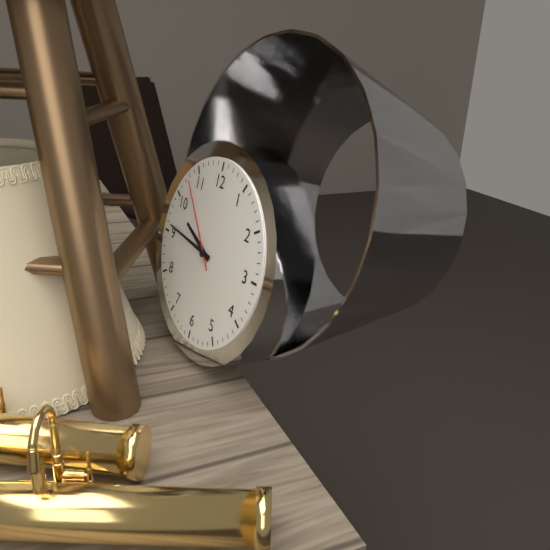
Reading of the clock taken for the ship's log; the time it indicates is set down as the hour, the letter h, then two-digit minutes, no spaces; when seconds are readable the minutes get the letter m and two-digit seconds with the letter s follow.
9h46m53s
